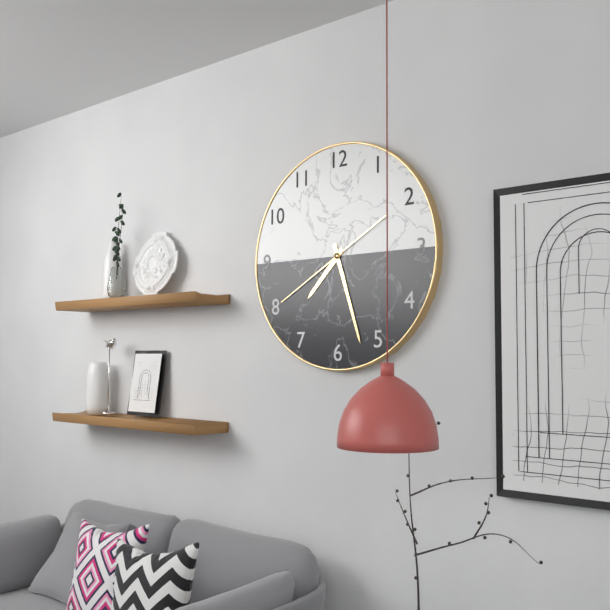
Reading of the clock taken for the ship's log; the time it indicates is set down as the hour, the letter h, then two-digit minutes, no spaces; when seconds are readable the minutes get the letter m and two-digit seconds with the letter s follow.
7h27m40s
